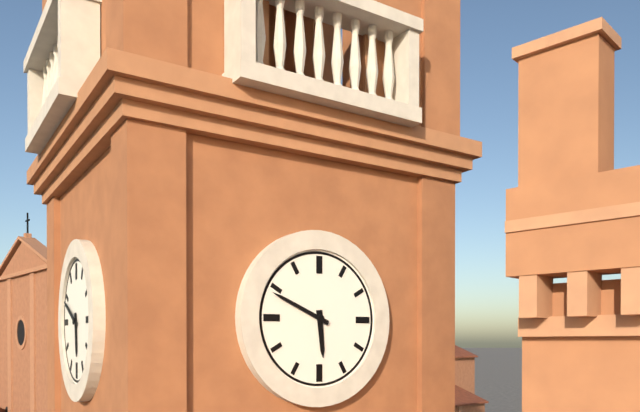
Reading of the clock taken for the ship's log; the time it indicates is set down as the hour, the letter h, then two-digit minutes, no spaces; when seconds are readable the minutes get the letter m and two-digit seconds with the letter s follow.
5h49
